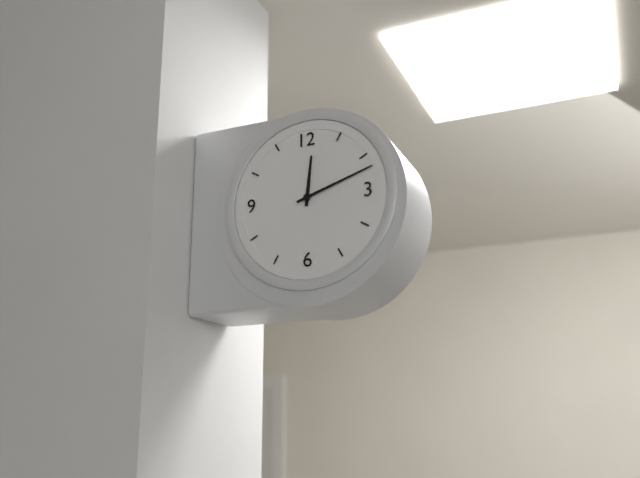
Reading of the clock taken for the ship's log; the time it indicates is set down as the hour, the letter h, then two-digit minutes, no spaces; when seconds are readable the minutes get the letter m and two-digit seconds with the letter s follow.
12h12
